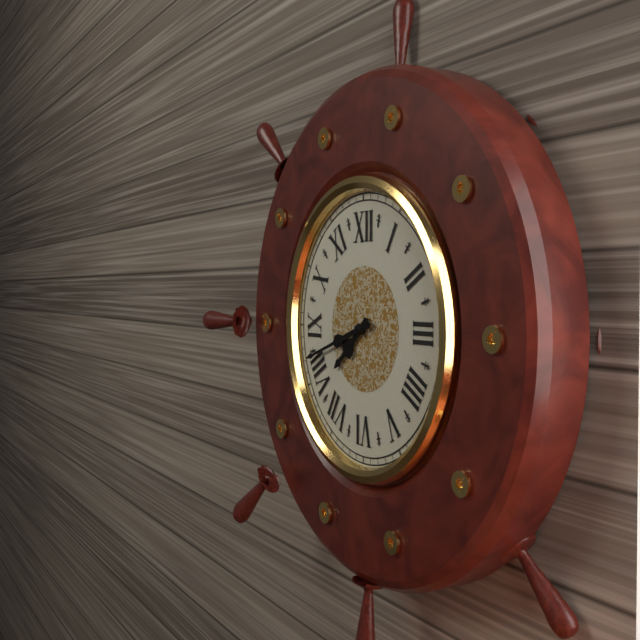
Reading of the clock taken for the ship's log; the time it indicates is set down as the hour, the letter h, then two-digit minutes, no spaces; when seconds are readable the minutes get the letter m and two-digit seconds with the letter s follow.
7h42
